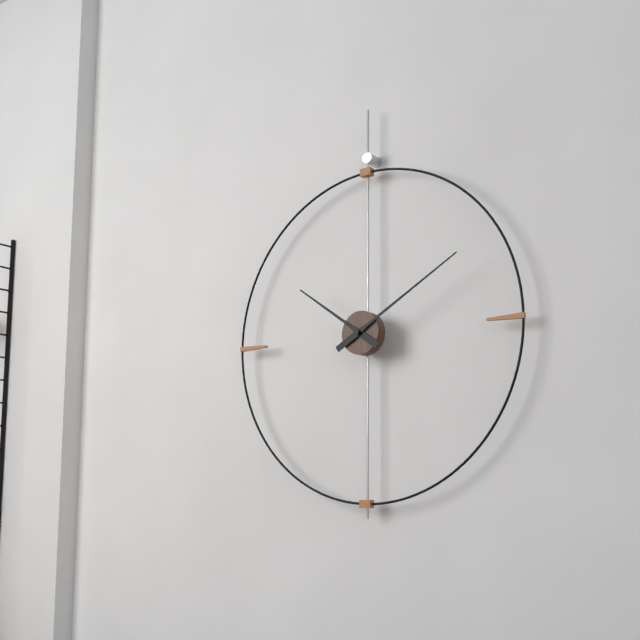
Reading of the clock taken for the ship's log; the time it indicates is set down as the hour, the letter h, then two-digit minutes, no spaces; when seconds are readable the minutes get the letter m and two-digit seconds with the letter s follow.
10h10
